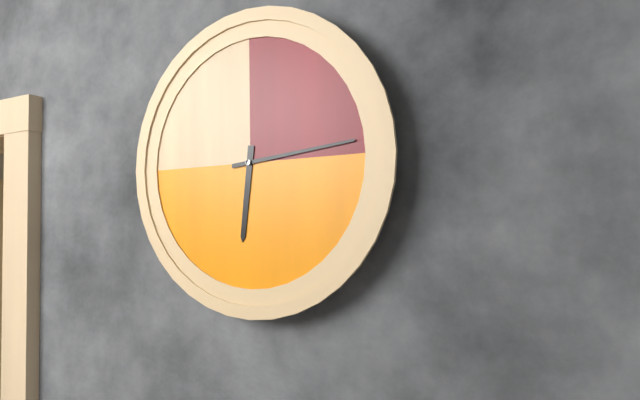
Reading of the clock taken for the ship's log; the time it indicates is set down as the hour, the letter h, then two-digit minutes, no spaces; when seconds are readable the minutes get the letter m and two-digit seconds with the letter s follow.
6h14
